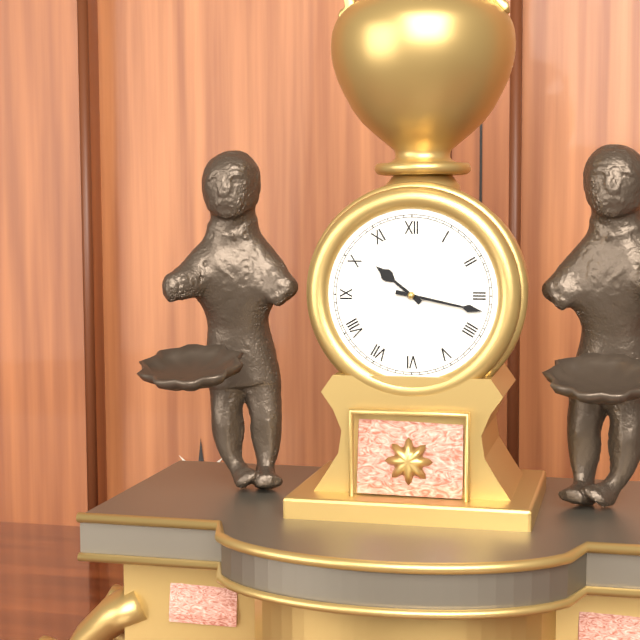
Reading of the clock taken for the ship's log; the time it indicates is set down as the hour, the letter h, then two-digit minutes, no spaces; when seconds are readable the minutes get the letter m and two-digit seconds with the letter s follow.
10h17
